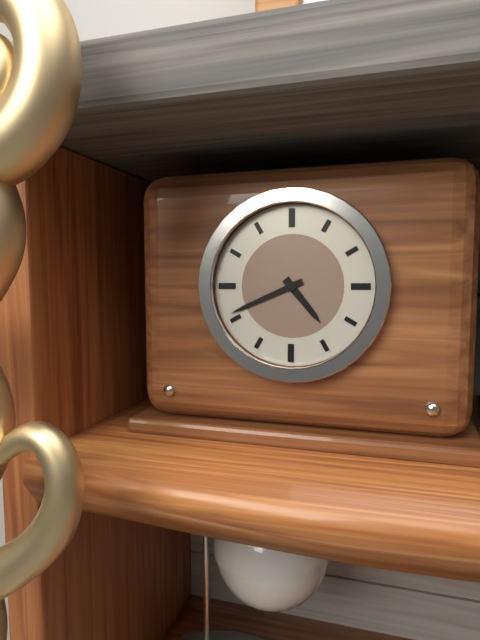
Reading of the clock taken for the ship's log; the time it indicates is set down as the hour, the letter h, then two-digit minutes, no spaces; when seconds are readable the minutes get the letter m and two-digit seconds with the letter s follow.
4h41
